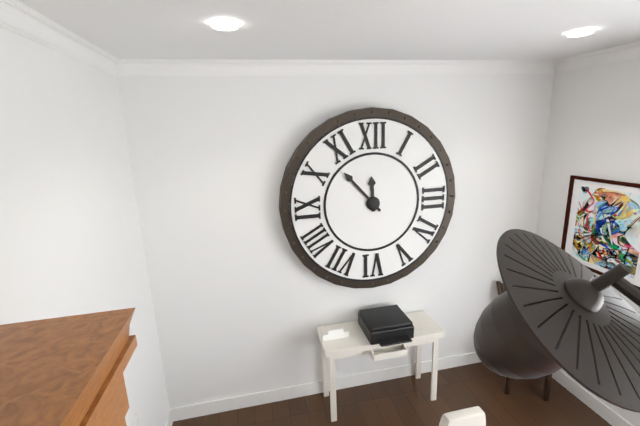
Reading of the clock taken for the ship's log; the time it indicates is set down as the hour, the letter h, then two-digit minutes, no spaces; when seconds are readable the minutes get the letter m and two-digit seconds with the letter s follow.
11h53
